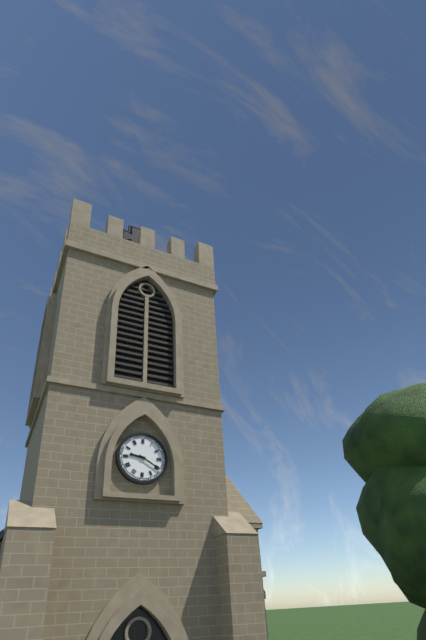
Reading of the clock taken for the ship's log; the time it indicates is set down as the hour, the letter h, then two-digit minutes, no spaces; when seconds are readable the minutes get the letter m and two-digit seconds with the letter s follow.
9h20
